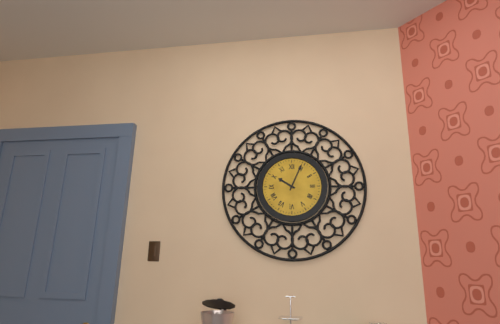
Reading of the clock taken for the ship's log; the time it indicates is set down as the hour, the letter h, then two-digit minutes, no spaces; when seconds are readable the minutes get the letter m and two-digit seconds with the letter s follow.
10h04
